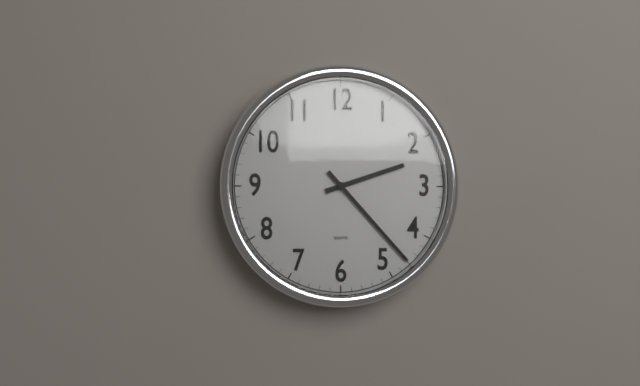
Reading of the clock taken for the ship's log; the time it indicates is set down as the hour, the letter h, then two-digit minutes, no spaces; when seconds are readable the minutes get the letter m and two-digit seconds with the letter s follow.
2h23
